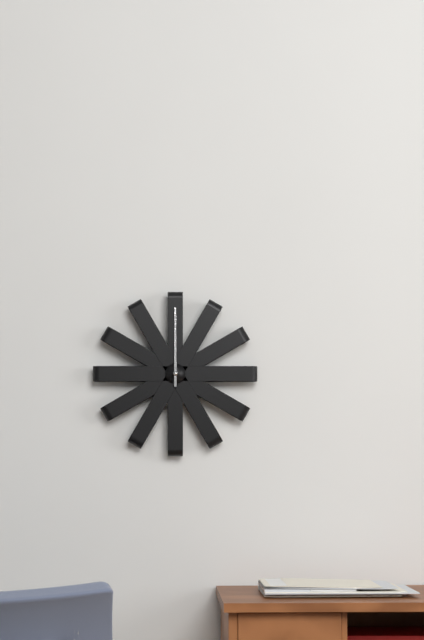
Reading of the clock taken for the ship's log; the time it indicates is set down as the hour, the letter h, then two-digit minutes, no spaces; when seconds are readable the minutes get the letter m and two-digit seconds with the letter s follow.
12h00m00s
